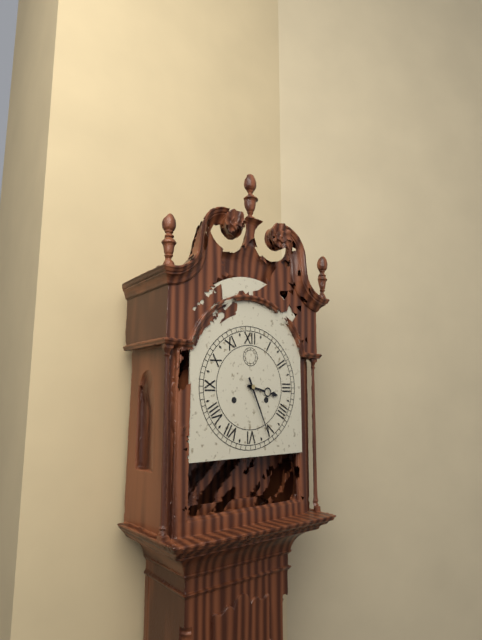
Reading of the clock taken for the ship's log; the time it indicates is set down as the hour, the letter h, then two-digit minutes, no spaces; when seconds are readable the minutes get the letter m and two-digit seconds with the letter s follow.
3h26
